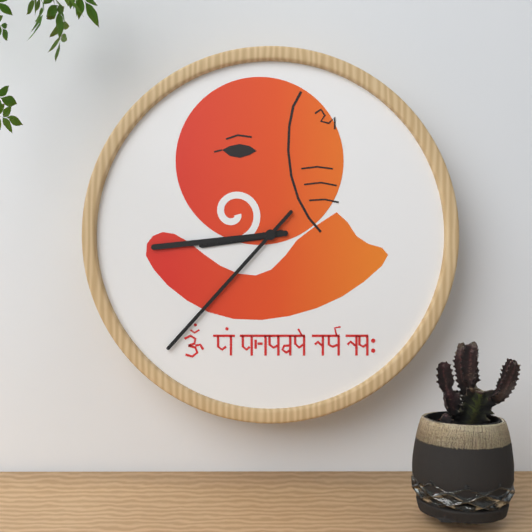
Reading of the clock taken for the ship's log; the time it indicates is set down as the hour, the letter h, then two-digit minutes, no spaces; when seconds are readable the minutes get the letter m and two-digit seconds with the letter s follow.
8h44m37s
